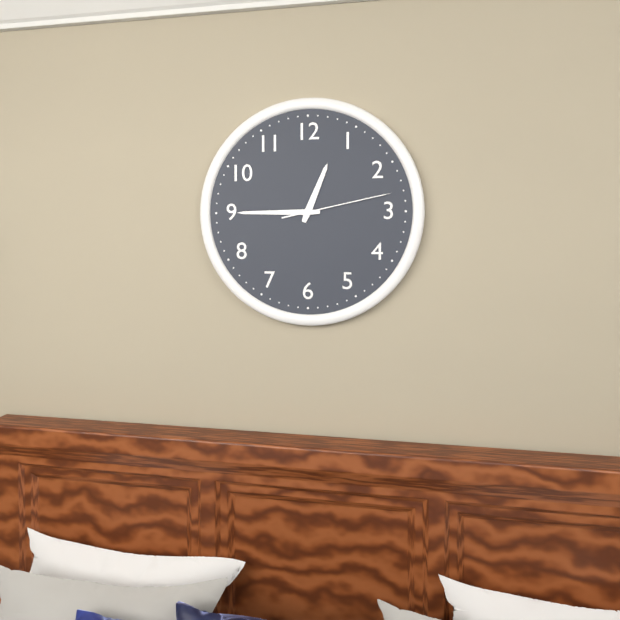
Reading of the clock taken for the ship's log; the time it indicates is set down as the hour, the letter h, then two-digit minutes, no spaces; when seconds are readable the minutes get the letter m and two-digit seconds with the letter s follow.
12h45m13s
